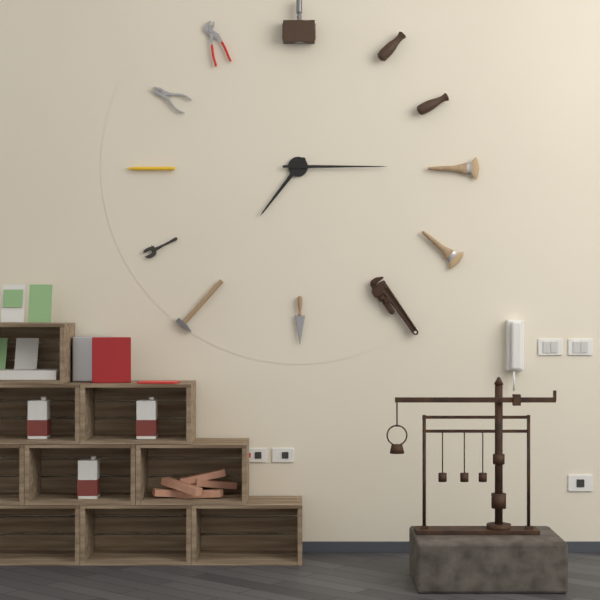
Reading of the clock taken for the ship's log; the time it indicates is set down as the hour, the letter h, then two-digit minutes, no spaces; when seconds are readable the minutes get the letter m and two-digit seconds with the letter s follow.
7h15
